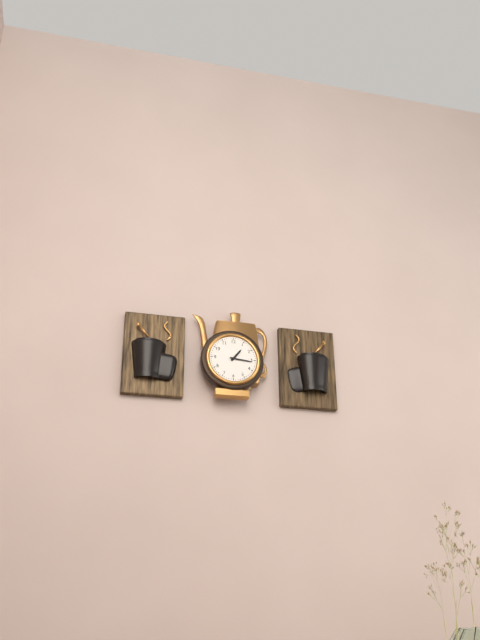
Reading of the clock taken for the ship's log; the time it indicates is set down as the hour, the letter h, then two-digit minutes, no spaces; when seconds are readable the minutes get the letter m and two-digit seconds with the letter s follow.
1h16
